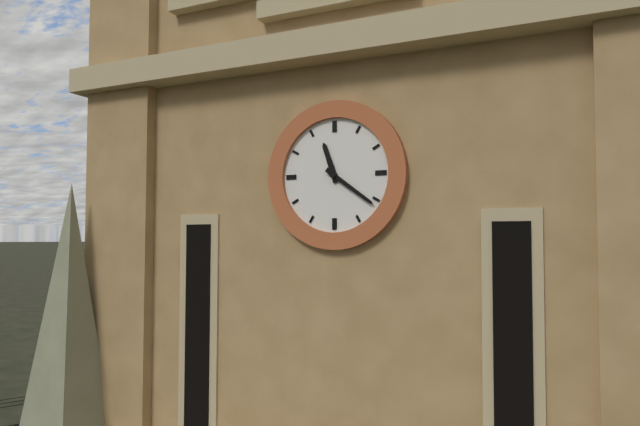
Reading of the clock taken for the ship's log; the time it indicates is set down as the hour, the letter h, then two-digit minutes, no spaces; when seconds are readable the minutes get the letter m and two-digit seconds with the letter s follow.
11h21
